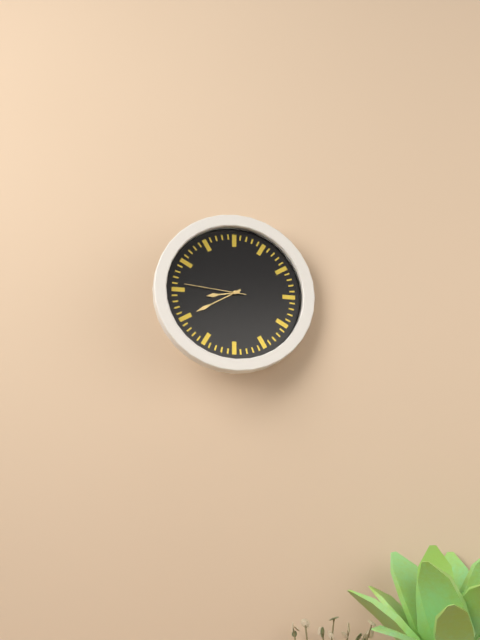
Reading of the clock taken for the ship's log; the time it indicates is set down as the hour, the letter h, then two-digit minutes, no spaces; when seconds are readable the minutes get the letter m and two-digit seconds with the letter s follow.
8h40m46s
